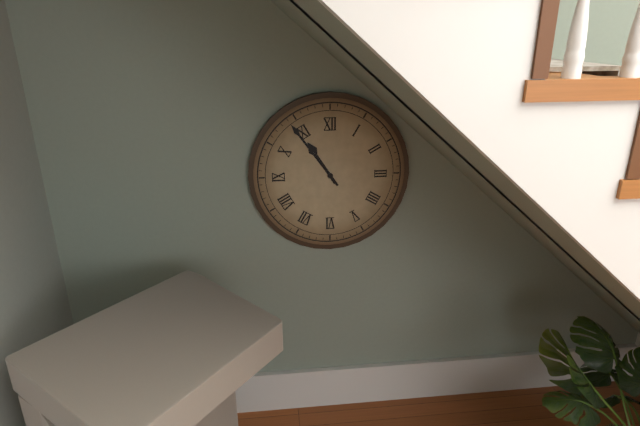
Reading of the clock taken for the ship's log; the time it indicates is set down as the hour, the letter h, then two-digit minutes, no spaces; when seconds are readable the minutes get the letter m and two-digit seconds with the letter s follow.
10h54
